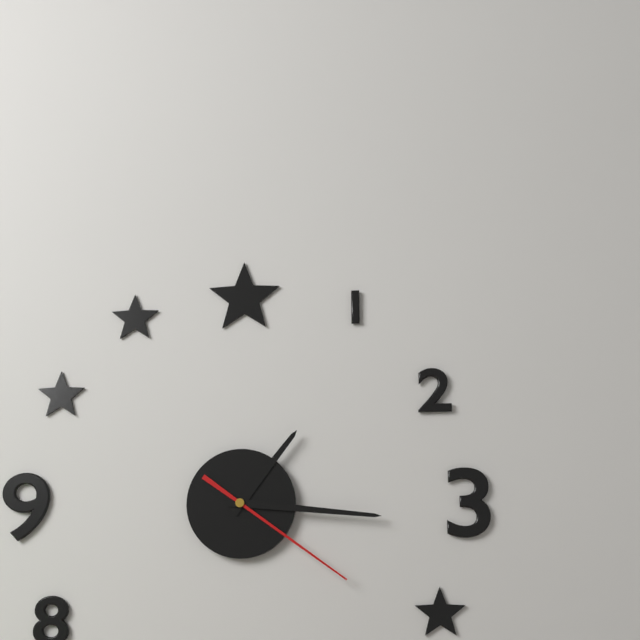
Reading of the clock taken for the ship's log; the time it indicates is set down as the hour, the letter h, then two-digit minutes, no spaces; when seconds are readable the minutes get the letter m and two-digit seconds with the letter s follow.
1h16m21s
